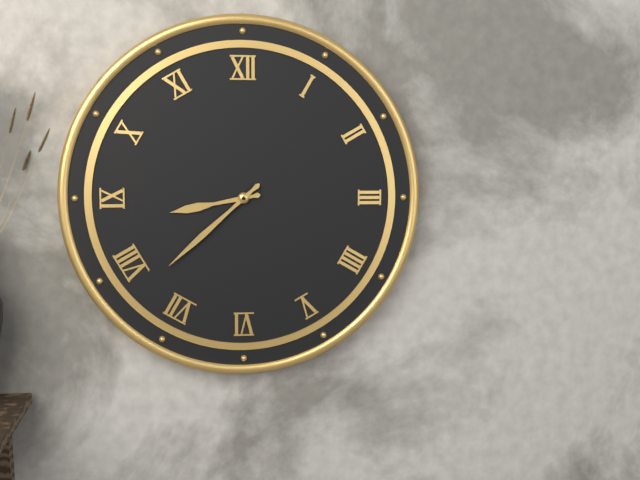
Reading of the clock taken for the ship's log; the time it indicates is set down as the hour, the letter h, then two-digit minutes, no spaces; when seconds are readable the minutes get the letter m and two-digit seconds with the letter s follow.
8h38
